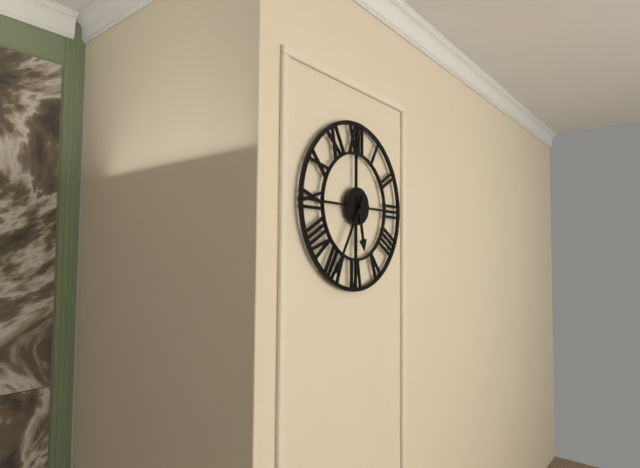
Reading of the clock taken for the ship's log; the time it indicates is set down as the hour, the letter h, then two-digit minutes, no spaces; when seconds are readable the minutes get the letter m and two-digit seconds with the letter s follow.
5h35
